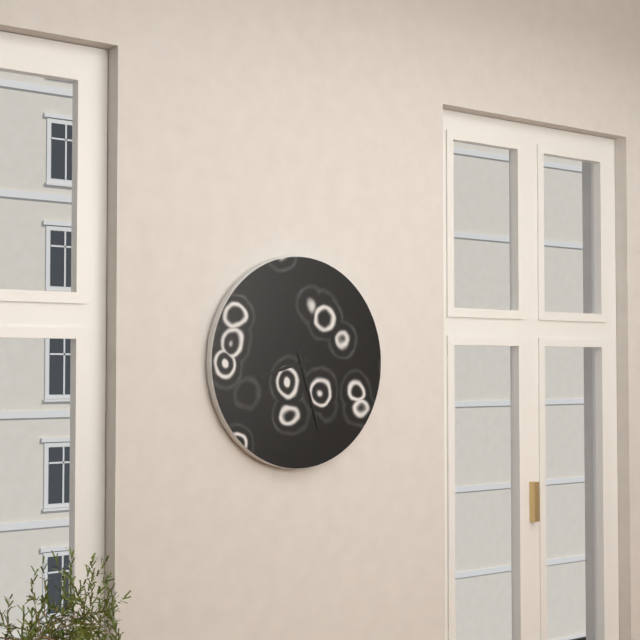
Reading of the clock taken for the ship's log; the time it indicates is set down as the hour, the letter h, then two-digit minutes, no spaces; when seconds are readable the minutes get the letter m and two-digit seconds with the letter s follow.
8h27
